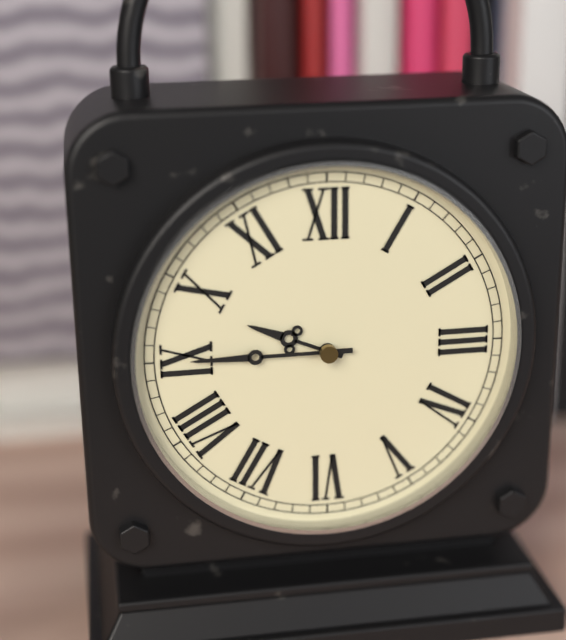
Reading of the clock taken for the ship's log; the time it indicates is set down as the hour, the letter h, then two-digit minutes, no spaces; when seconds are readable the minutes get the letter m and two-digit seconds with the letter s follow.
9h45
